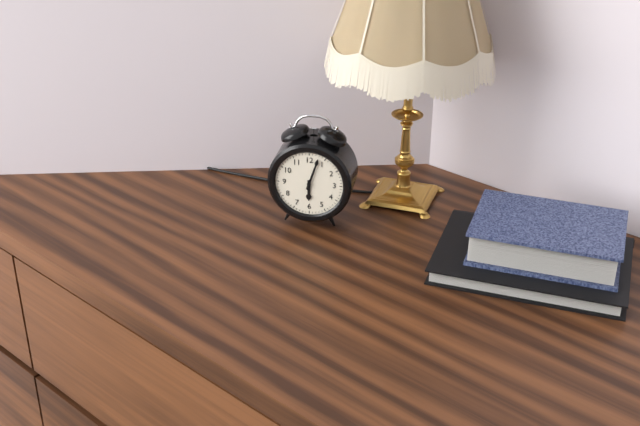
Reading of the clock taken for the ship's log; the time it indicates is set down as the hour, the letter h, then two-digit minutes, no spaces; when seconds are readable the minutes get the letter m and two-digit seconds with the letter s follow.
6h03
